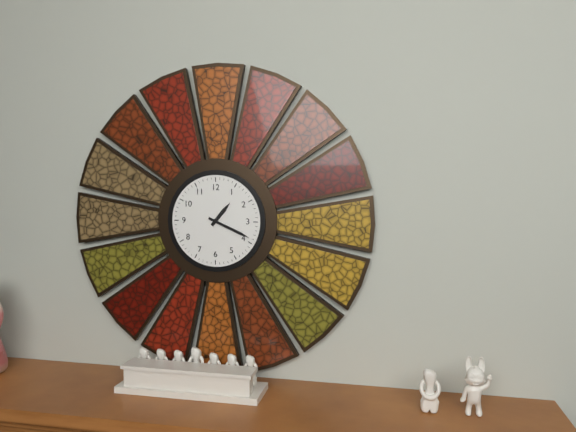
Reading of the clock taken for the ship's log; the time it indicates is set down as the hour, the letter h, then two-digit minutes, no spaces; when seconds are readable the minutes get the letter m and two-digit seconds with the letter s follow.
1h19
